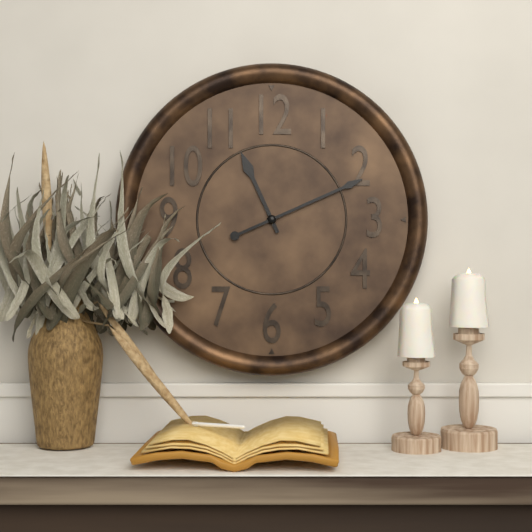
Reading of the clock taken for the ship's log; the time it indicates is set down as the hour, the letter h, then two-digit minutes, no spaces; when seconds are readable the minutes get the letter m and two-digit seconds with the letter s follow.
11h11
